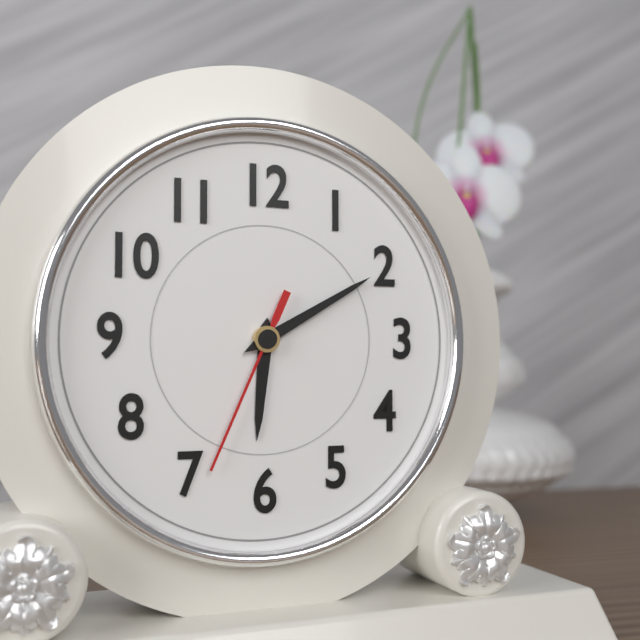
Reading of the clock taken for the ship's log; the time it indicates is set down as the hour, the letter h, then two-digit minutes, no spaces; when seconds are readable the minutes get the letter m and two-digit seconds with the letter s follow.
6h10m34s
